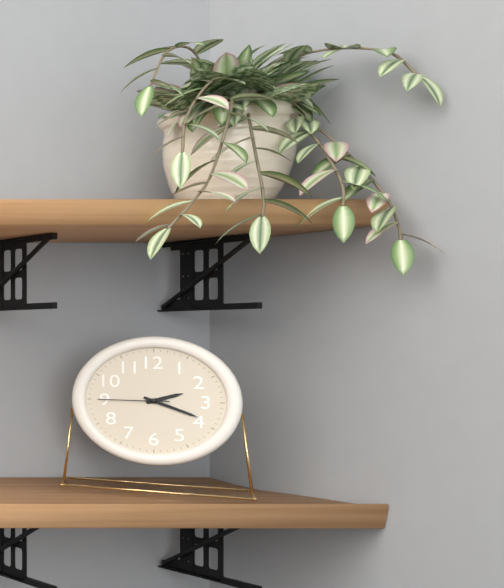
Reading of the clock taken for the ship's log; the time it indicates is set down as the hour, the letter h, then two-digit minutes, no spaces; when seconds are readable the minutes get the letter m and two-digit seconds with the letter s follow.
2h19m45s
